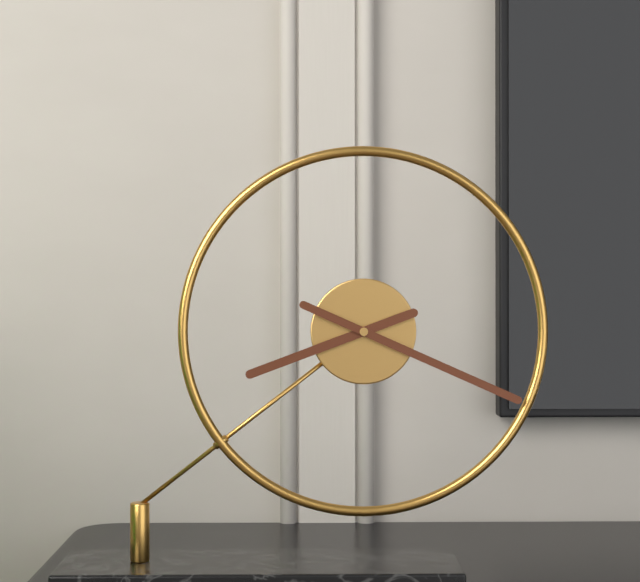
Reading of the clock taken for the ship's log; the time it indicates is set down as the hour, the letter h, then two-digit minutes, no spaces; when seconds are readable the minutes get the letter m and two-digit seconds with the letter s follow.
8h19
